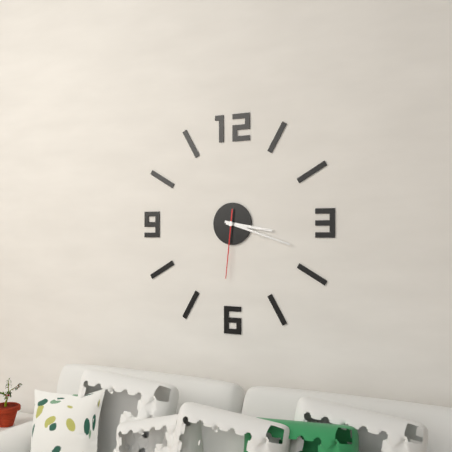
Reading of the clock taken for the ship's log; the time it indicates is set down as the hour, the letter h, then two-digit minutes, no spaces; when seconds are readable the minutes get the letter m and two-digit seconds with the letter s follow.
3h18m31s
